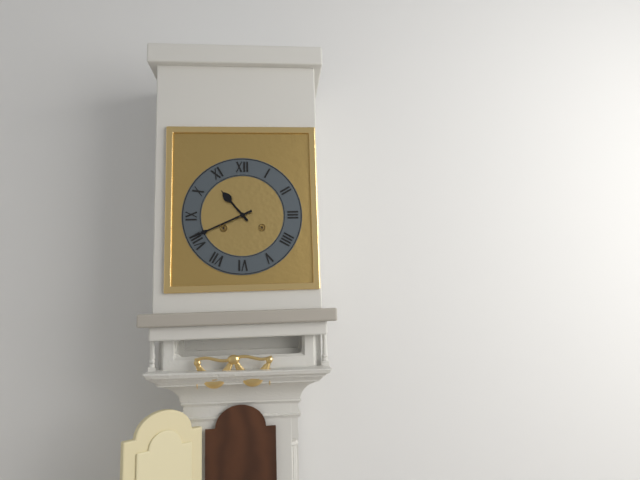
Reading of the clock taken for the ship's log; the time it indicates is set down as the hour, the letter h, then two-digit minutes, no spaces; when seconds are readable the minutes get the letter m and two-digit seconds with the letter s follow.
10h41
